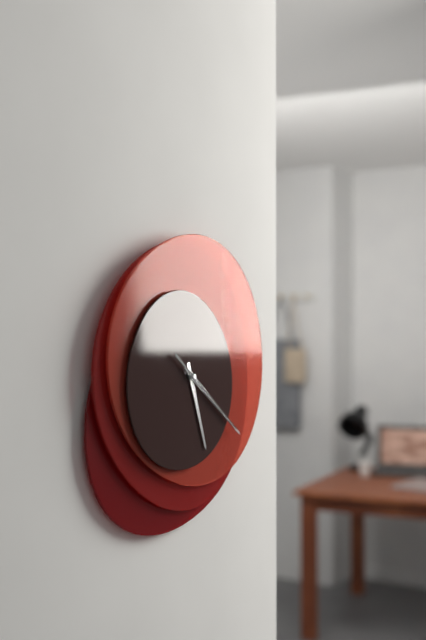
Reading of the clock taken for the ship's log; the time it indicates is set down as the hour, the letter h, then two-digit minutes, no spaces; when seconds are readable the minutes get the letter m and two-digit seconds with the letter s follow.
5h21m21s
